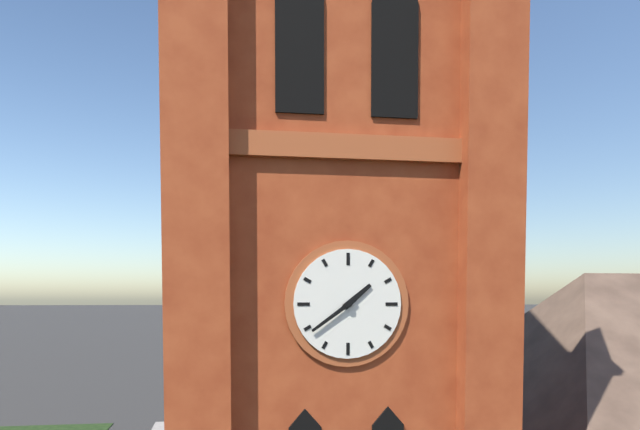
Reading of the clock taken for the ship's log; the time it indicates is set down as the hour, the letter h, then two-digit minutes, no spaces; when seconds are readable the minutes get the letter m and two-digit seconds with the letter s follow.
1h39
